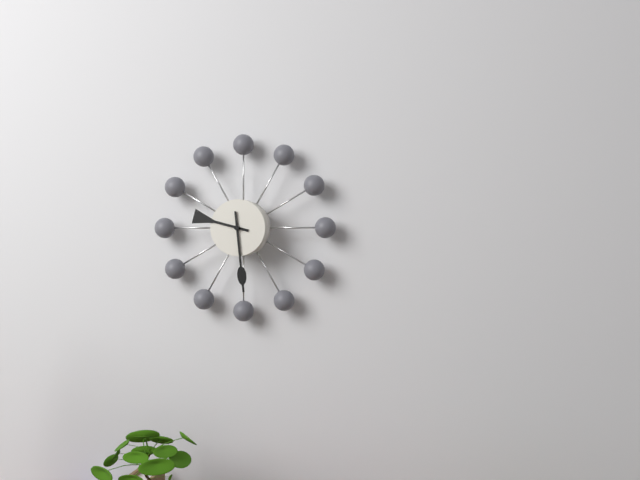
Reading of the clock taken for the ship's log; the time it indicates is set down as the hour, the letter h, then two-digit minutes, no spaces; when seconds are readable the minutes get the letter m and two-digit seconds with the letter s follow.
9h29
